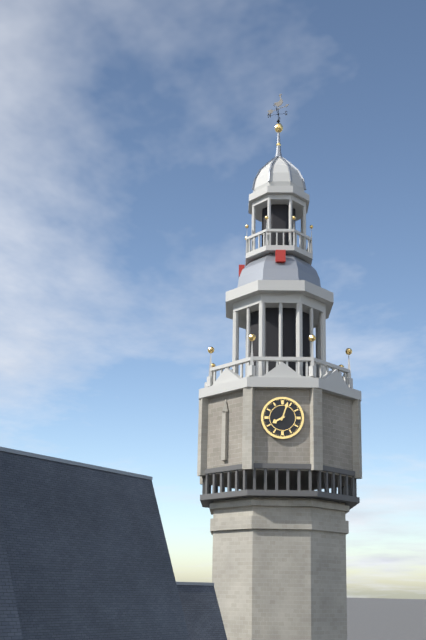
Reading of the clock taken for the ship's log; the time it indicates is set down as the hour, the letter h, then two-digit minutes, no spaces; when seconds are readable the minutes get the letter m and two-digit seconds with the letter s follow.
8h03
